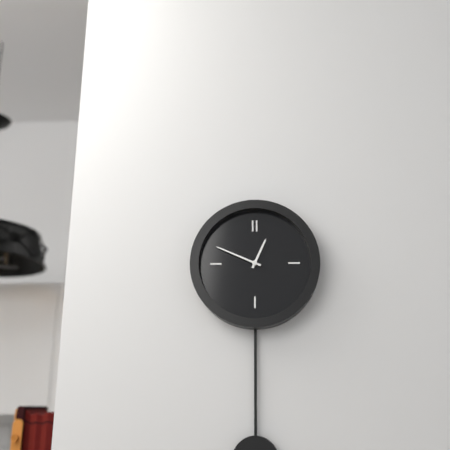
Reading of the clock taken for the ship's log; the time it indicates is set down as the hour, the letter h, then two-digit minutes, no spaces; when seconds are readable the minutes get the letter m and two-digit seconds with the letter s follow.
12h49
